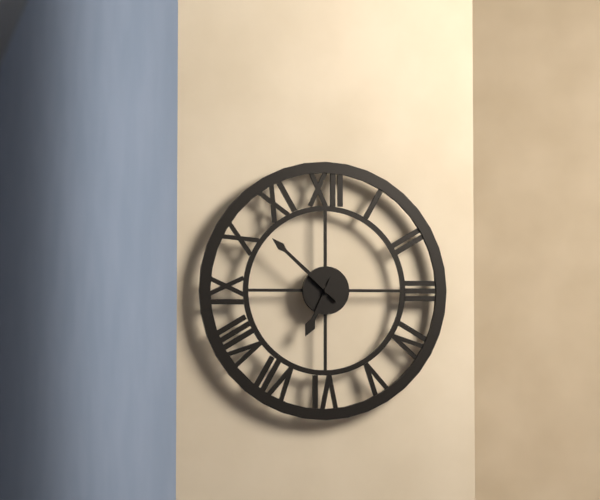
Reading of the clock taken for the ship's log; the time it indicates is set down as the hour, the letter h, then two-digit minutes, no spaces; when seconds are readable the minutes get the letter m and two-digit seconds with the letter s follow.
6h52
